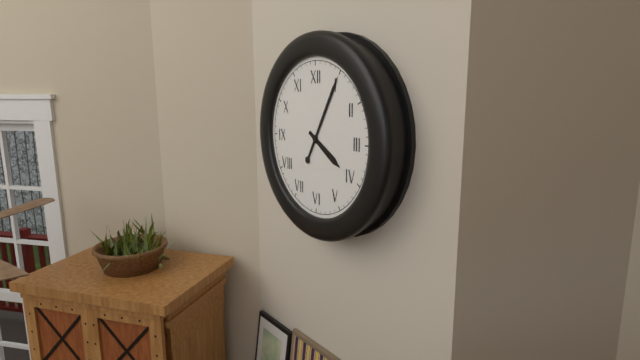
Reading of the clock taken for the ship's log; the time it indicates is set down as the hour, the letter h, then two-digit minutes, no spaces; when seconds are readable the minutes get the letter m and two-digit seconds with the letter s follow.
4h05
